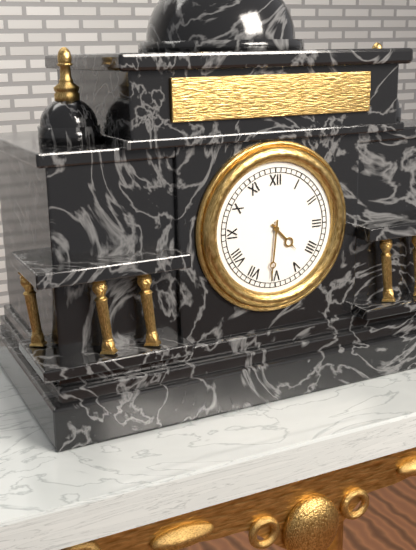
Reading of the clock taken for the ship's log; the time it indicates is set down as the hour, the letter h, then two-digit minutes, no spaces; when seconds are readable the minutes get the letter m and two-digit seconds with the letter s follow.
4h31
